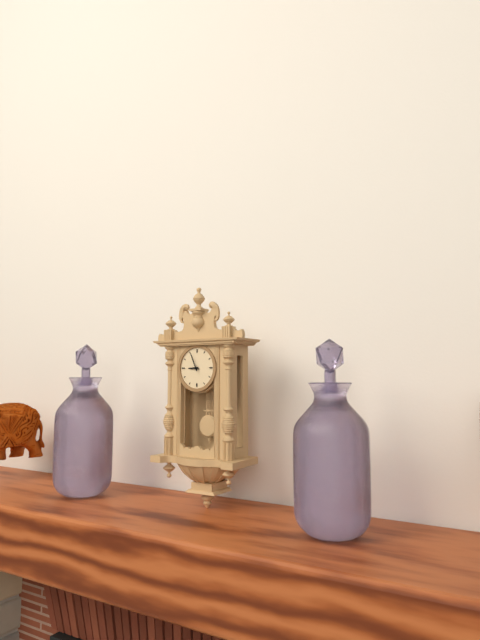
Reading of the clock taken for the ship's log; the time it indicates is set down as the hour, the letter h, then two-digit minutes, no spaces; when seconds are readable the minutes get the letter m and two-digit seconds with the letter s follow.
8h56
